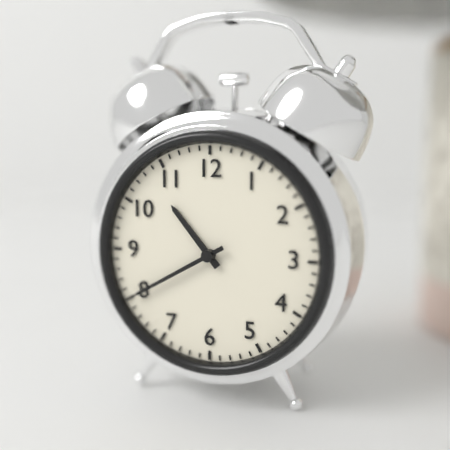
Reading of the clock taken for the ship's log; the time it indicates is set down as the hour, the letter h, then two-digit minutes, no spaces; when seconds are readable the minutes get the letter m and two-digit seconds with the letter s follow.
10h40
